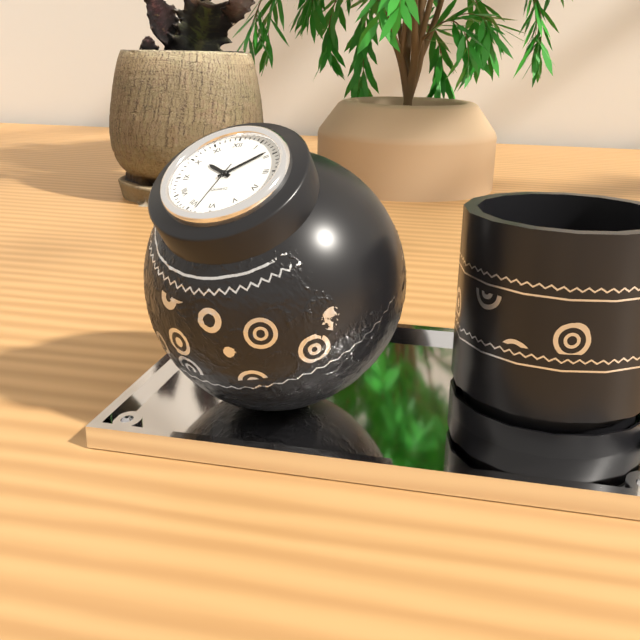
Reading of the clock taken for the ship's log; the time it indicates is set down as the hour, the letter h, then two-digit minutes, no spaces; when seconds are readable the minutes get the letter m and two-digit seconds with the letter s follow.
10h09m33s
